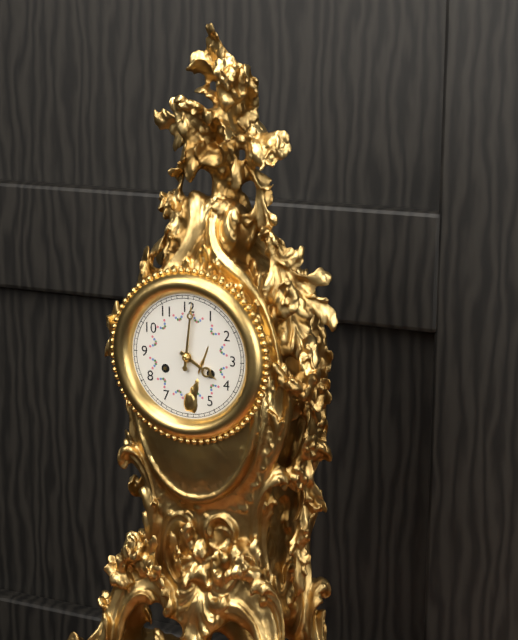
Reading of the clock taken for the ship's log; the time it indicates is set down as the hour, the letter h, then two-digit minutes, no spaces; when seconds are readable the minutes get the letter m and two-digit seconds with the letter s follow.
4h01
